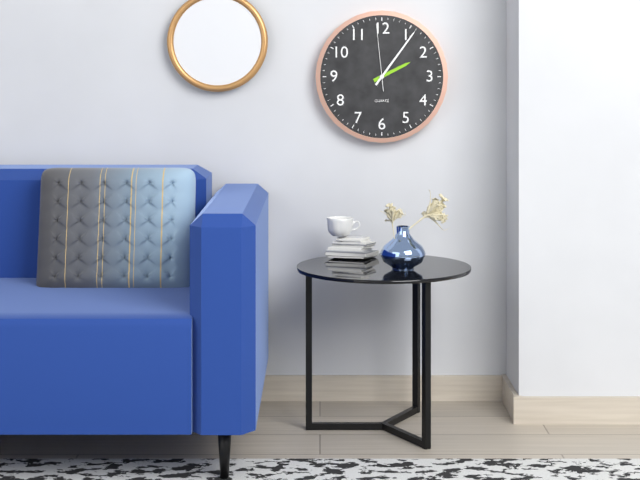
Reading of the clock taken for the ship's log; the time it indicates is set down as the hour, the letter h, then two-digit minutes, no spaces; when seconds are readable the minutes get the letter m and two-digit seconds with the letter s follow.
2h06m59s
